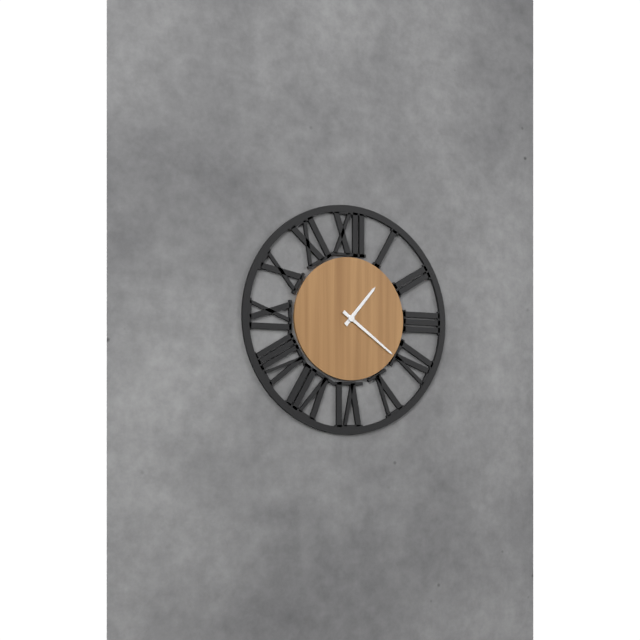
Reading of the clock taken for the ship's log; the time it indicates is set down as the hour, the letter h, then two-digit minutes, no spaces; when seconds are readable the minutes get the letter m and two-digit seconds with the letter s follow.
1h21
